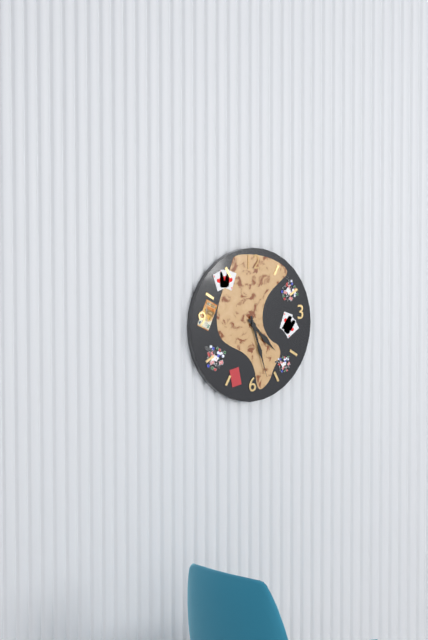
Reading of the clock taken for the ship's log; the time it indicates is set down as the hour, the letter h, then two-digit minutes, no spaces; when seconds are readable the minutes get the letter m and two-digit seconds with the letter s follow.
4h27
